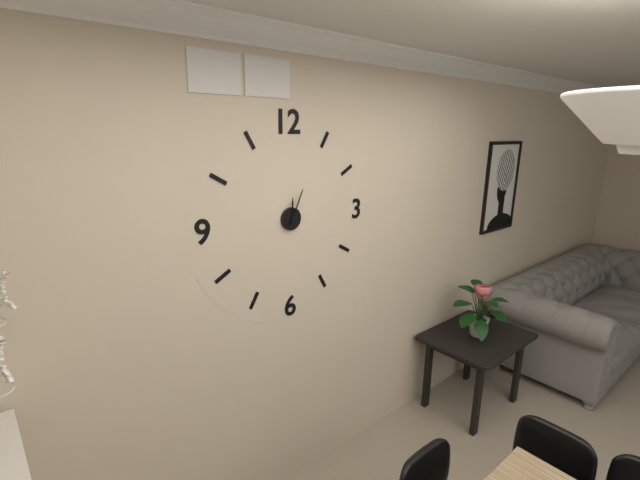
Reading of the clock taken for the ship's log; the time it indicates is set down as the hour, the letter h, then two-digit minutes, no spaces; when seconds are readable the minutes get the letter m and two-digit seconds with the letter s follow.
12h04
